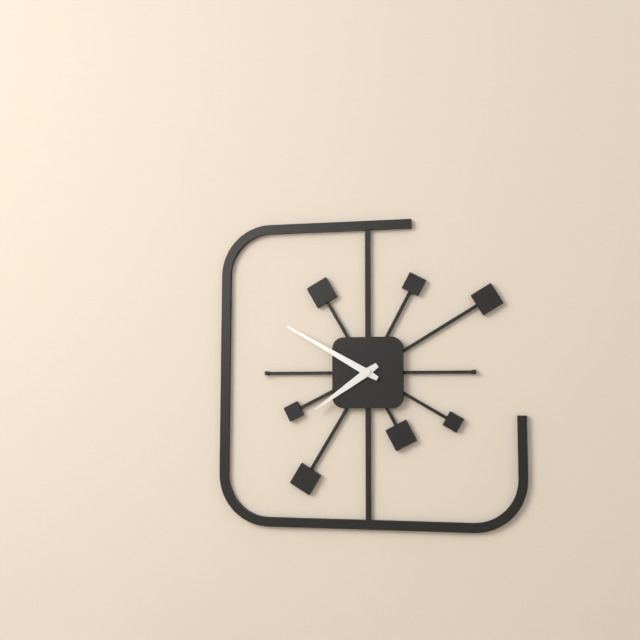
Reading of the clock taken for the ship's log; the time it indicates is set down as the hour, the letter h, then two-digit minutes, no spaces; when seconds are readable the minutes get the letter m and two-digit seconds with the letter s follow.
7h50
